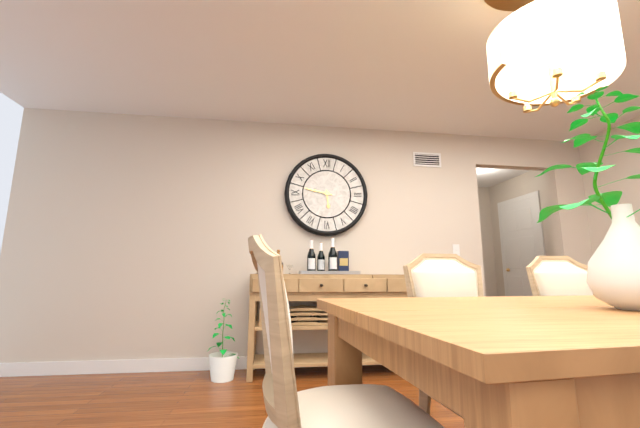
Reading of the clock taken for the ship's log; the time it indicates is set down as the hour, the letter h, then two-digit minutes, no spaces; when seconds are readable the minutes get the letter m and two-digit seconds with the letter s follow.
5h47
